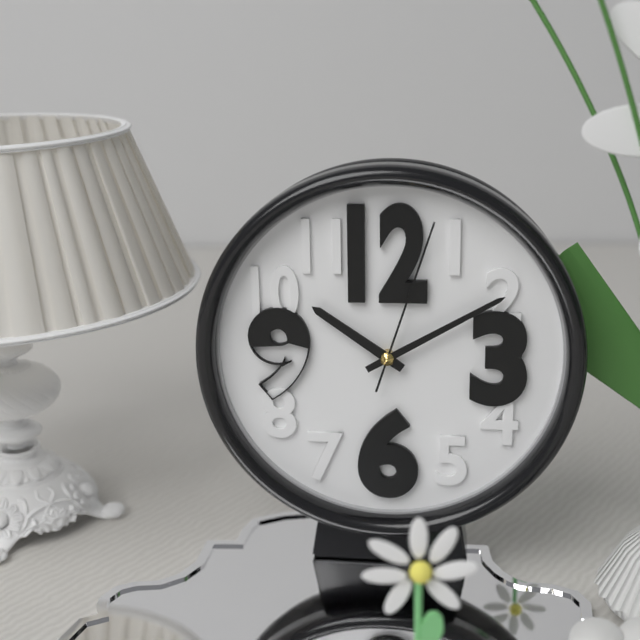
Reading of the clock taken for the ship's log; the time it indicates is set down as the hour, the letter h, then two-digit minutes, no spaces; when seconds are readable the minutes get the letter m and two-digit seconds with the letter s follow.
10h10m03s
